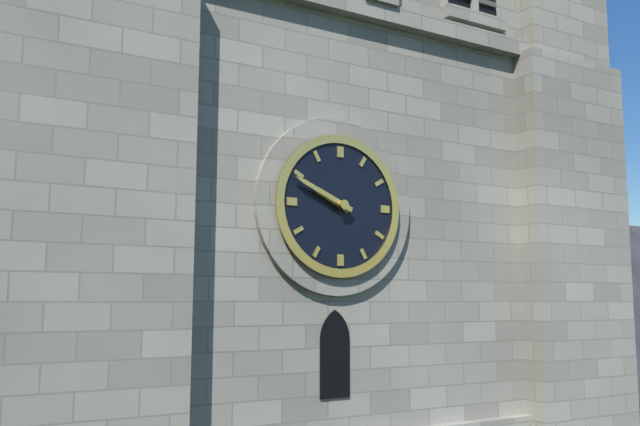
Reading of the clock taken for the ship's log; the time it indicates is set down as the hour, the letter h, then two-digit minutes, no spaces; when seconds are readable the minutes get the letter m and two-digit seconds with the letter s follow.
9h49
